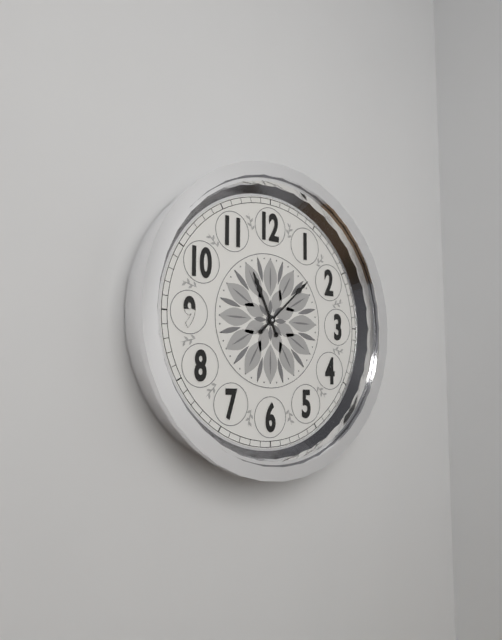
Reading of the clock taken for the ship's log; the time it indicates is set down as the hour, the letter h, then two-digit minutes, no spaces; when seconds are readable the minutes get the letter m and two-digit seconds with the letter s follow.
11h08
